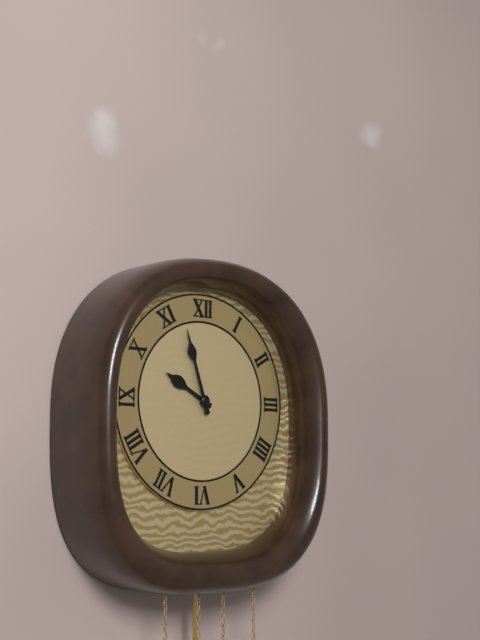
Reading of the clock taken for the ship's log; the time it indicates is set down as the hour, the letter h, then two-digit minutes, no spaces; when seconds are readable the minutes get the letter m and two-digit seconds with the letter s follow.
9h57
